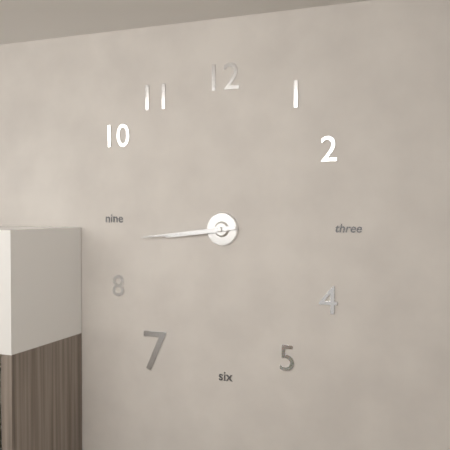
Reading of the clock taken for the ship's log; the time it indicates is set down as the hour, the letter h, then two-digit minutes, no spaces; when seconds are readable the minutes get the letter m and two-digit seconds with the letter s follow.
8h44
